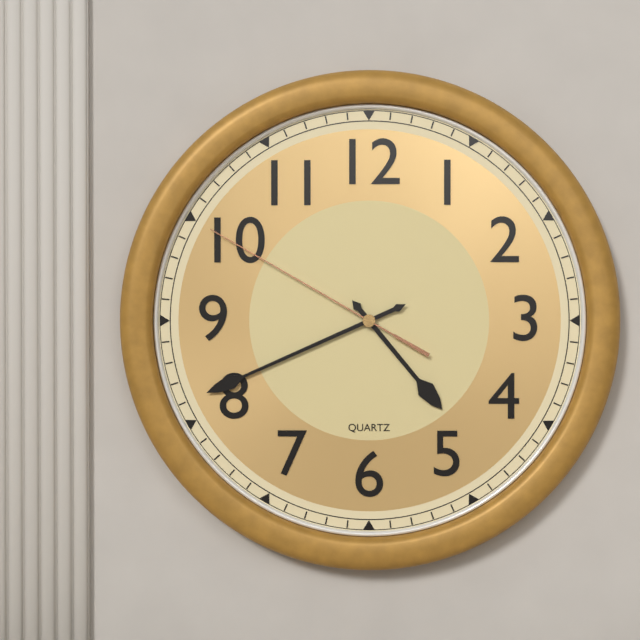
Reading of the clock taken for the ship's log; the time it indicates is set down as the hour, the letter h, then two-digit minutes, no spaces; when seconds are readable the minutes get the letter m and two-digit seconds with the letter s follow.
4h41m50s
